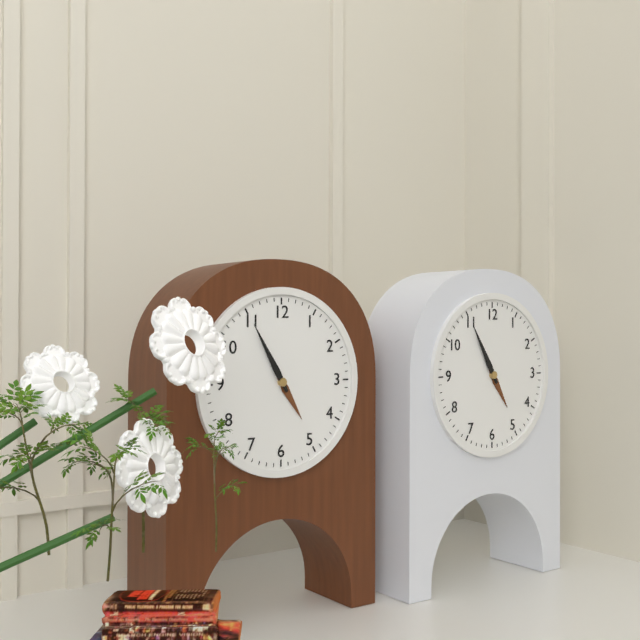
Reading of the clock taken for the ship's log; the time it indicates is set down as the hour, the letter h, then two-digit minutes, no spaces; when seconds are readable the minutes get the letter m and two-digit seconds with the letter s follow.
4h55
